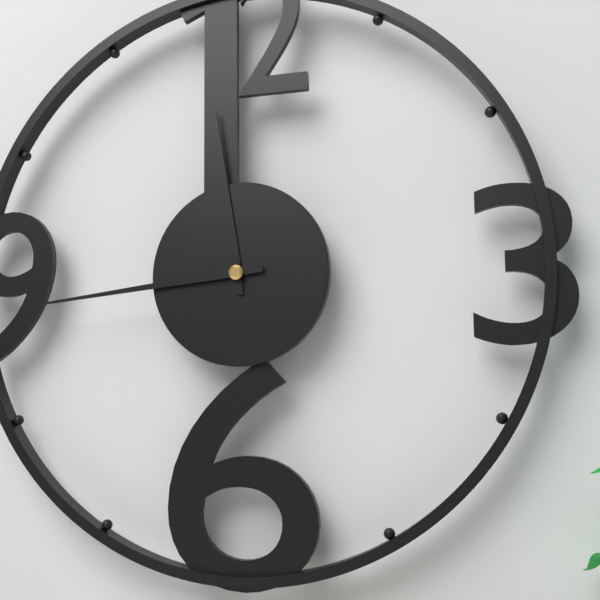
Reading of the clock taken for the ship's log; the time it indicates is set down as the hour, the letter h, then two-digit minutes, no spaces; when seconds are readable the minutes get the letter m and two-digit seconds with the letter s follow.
11h44
